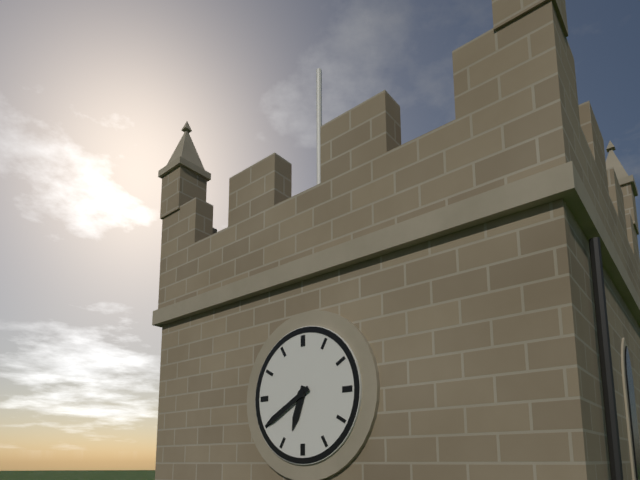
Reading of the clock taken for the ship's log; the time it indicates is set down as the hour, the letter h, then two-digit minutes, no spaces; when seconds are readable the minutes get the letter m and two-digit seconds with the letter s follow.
6h40
